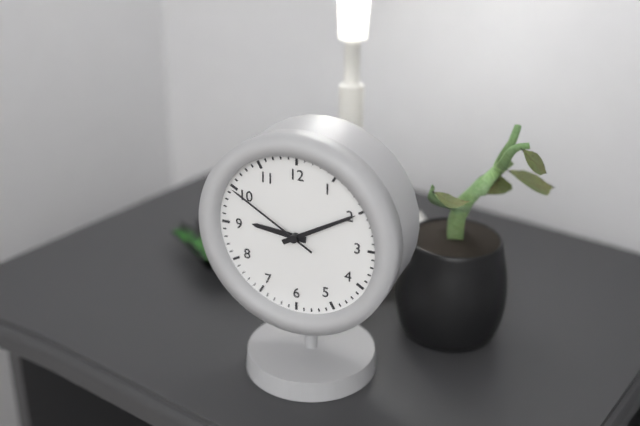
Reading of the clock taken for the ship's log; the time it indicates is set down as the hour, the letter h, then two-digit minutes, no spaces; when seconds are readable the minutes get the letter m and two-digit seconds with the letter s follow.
9h10m50s
